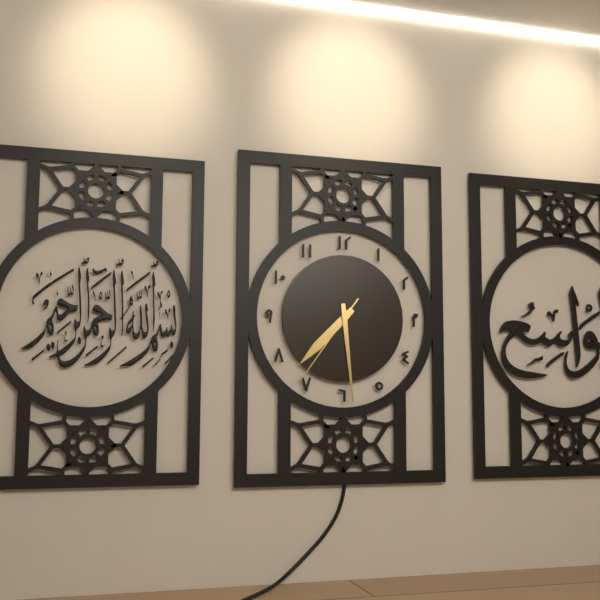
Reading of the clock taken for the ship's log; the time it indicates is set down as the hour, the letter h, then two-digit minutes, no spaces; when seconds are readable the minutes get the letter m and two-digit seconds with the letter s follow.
7h29m36s
